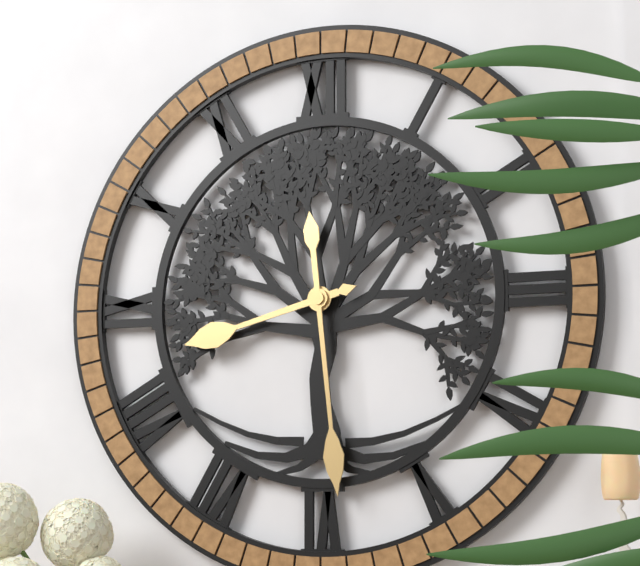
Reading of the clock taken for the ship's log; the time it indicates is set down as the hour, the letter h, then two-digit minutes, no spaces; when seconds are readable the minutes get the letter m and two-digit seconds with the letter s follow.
8h29
